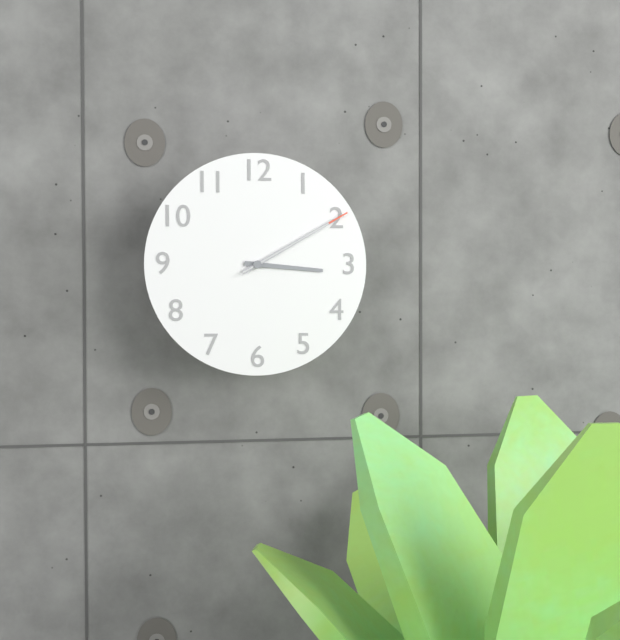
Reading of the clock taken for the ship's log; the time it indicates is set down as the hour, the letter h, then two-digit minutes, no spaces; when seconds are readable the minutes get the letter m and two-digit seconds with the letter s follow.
3h10m10s
